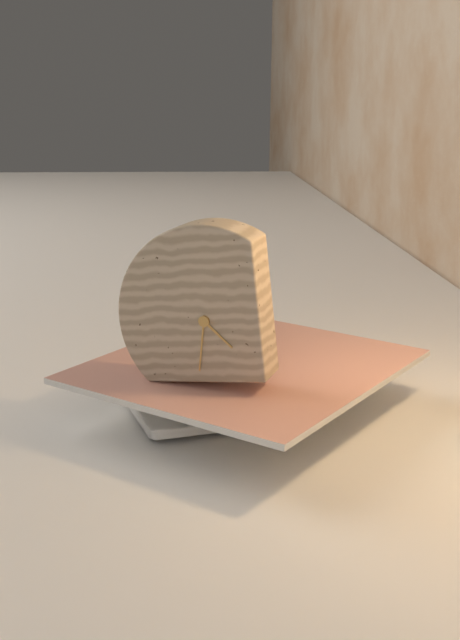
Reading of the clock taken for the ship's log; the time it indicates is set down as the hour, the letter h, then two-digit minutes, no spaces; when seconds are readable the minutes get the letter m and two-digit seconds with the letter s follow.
4h32
